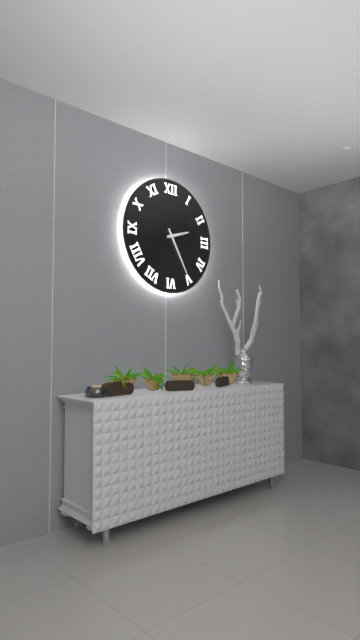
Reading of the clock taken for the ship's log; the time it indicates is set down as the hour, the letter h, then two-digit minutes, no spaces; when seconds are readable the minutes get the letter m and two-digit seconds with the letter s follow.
2h25
